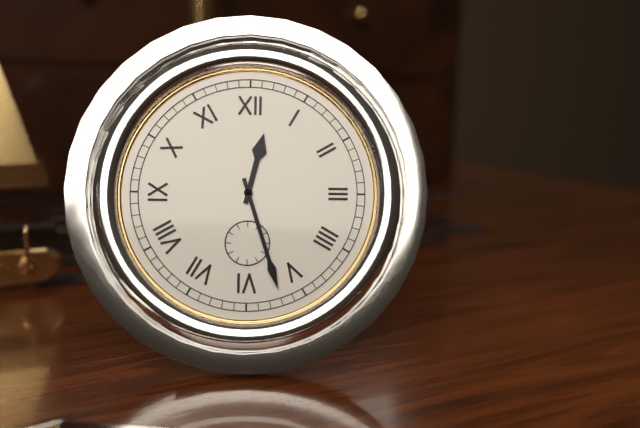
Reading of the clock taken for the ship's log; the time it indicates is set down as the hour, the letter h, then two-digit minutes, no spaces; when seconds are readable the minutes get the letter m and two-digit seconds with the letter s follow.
12h27
